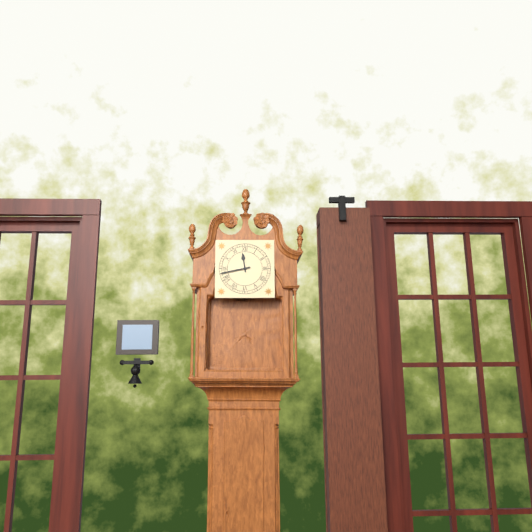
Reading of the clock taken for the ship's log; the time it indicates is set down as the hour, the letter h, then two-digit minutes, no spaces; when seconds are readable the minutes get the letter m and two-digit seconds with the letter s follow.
11h43
